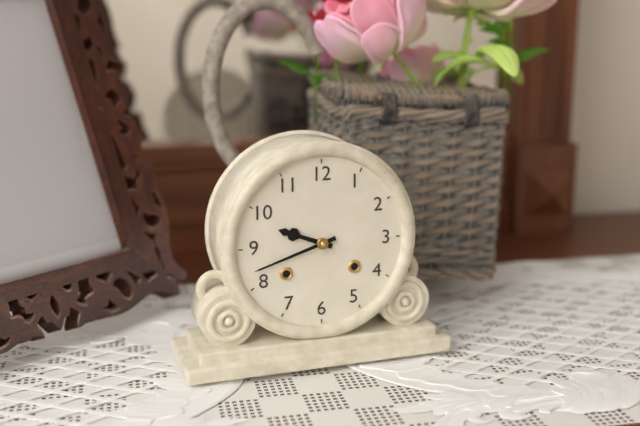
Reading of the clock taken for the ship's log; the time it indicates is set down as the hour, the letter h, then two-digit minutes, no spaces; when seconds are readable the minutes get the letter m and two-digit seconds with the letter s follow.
9h42
